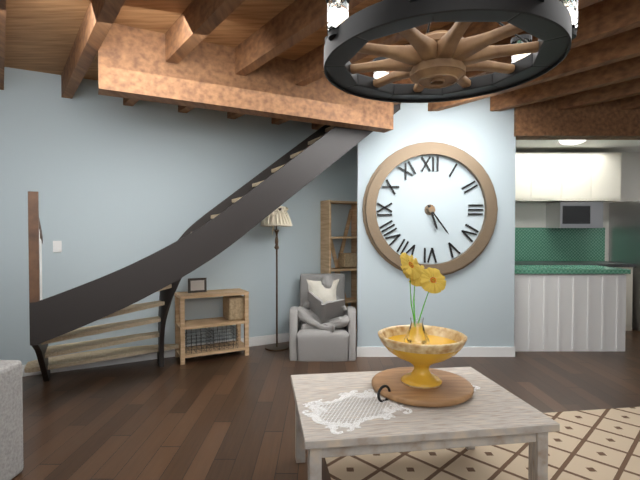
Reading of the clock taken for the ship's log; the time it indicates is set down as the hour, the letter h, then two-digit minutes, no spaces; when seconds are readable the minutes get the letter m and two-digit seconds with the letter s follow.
5h24
